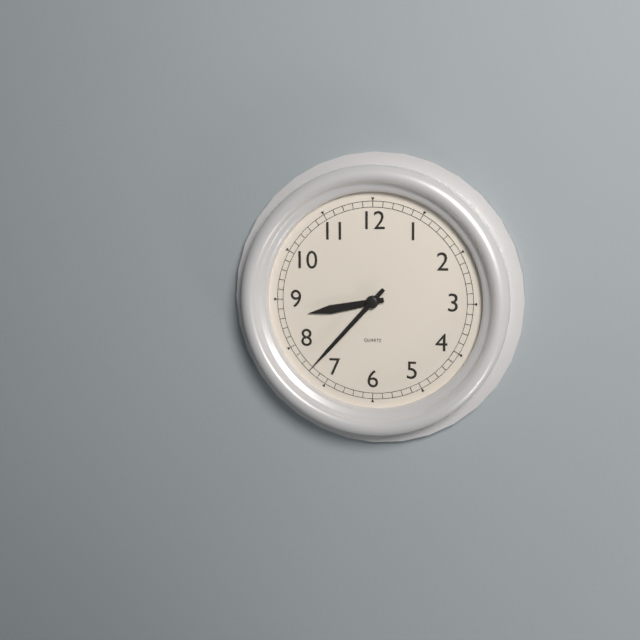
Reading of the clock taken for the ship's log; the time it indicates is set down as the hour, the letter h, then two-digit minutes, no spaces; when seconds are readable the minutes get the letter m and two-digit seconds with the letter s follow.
8h37
